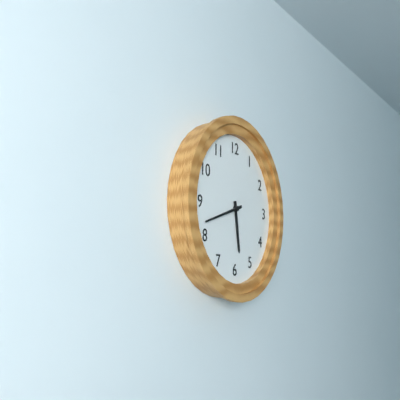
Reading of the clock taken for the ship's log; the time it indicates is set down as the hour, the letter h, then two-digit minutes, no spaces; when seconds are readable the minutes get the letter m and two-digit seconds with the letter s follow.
5h42
